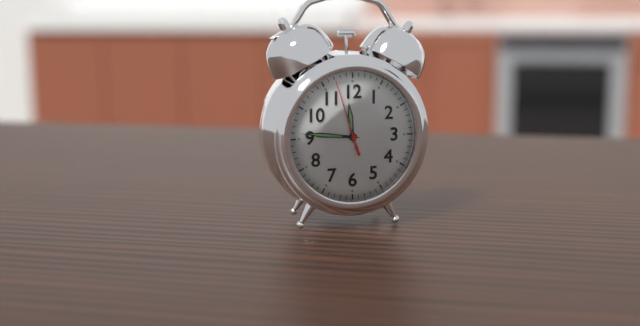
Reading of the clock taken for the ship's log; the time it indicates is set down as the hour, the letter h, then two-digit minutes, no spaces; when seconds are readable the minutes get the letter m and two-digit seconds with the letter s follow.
11h46m57s
